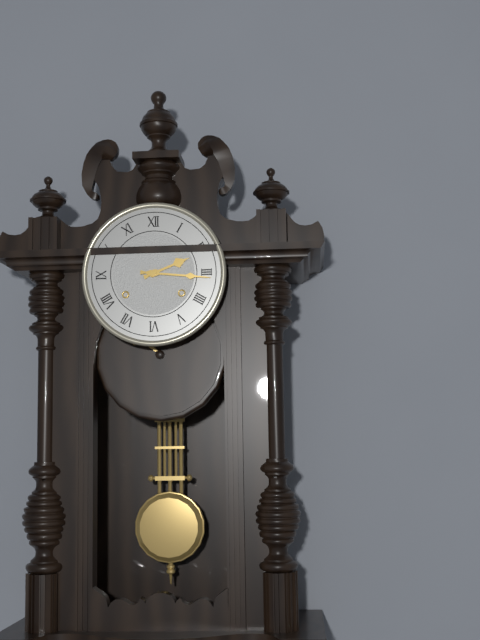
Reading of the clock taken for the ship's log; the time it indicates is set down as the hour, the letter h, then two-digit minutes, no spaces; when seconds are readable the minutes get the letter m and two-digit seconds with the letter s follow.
2h16
